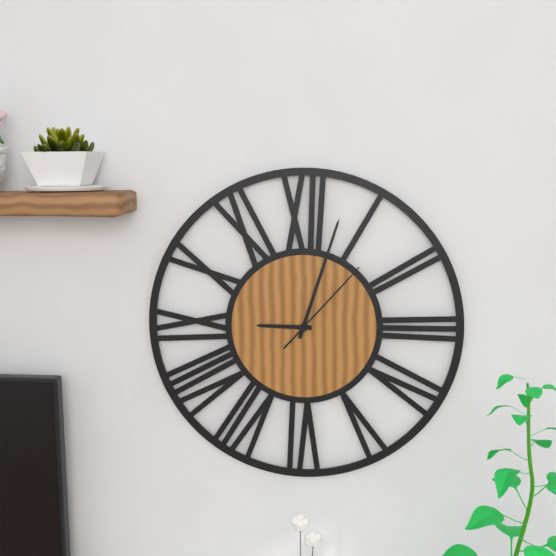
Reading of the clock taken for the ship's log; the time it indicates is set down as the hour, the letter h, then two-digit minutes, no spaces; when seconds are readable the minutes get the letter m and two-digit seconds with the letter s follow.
9h03m07s
